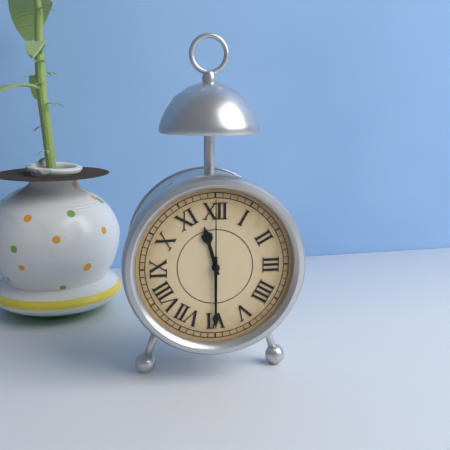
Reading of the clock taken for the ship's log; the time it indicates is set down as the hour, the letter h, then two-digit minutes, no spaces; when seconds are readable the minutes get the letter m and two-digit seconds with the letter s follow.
11h30m00s
